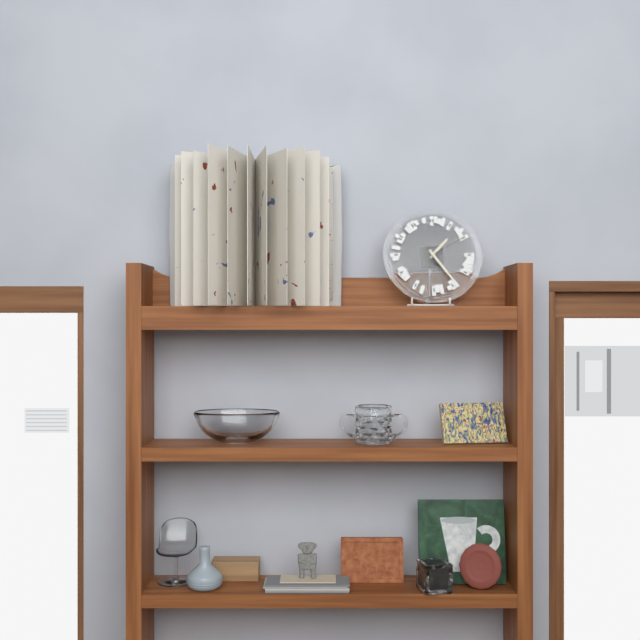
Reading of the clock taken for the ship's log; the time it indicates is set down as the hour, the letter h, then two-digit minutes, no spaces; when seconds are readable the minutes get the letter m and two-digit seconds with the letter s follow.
1h24
